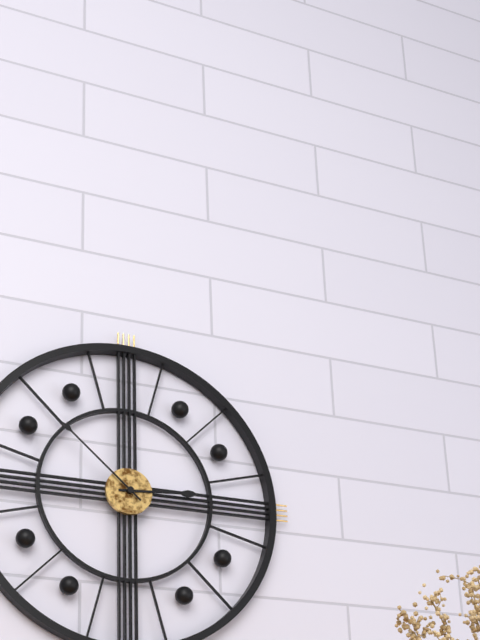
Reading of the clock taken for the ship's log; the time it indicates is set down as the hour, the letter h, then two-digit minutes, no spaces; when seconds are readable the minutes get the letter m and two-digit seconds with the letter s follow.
2h52
